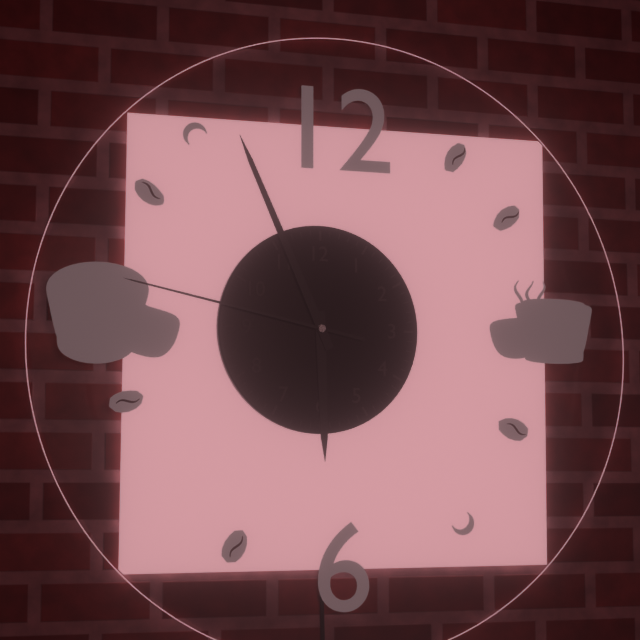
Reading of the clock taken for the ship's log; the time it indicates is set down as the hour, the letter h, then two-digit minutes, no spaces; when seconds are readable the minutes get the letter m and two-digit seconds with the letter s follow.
5h56m47s
